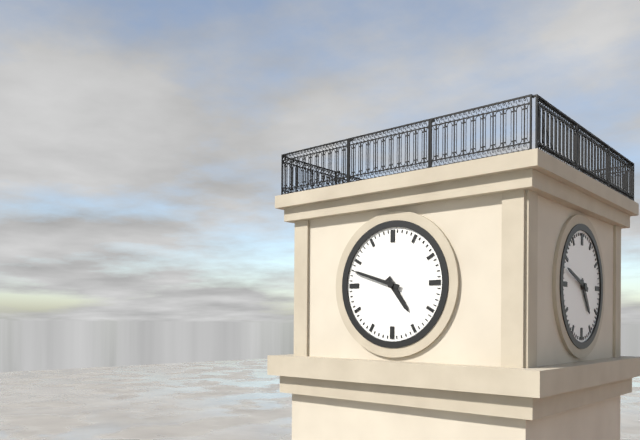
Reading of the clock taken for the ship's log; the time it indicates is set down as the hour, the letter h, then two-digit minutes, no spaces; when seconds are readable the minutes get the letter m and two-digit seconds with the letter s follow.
4h48
